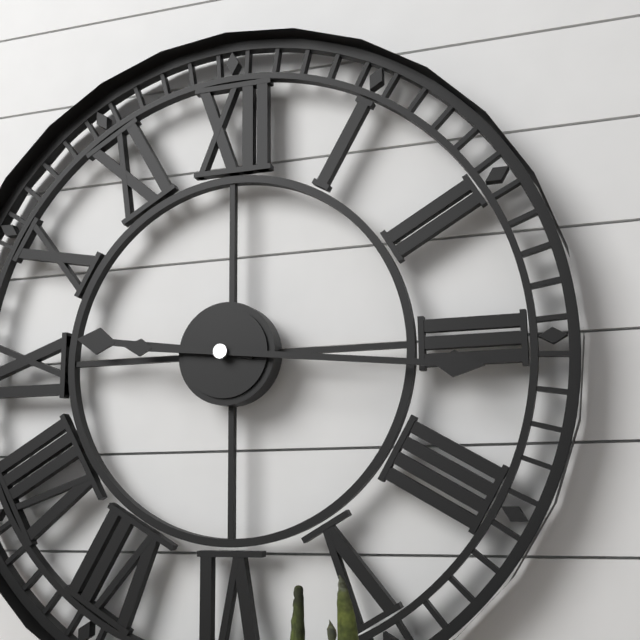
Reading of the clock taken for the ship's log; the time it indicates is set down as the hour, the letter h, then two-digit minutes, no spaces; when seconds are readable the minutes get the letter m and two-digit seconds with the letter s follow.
9h16
